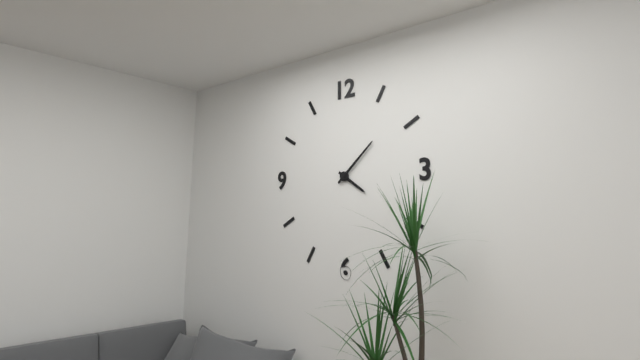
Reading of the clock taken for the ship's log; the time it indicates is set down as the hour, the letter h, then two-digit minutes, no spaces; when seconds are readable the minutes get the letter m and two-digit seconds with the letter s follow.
4h08
